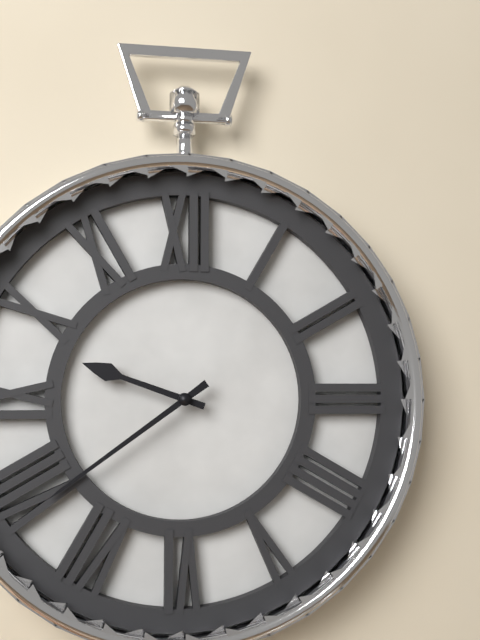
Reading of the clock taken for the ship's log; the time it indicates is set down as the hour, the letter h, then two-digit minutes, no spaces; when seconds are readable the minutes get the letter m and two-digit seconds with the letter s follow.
9h39
